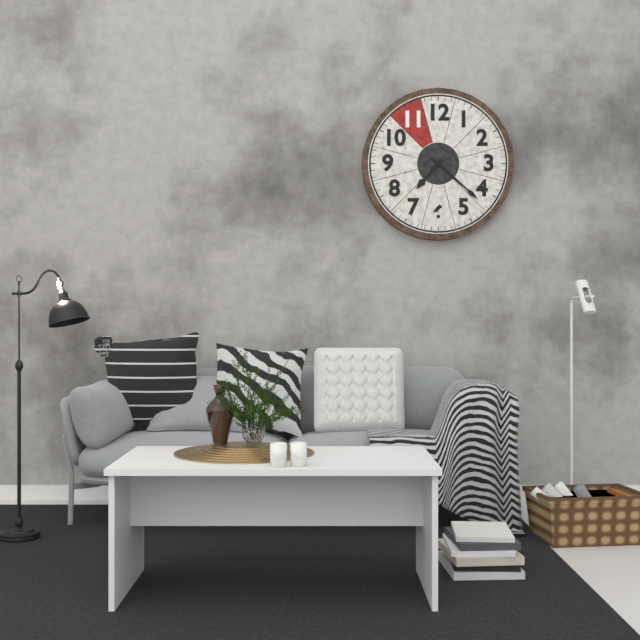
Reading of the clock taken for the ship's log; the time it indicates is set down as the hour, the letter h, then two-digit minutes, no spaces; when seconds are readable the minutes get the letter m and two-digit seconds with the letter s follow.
7h22
